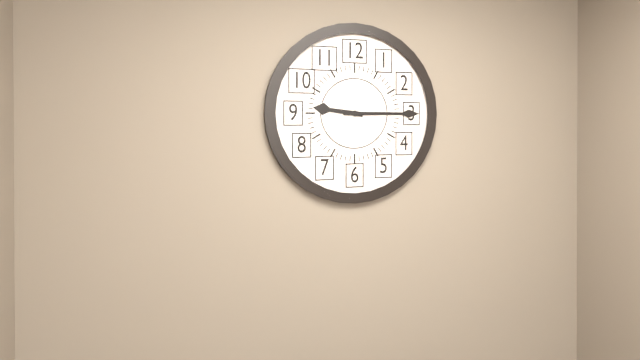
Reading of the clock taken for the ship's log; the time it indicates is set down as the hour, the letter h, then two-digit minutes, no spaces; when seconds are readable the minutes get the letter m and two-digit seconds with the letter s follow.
9h15
